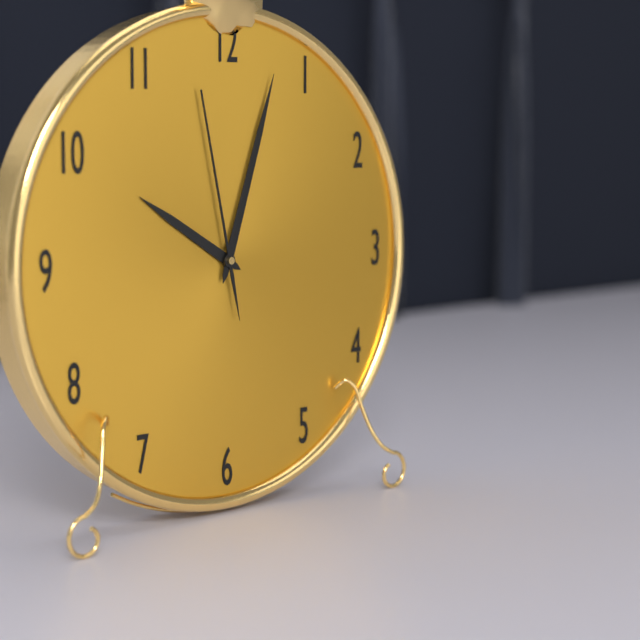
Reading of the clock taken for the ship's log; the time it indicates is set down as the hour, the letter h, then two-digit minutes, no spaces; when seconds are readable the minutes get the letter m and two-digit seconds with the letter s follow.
10h03m58s
